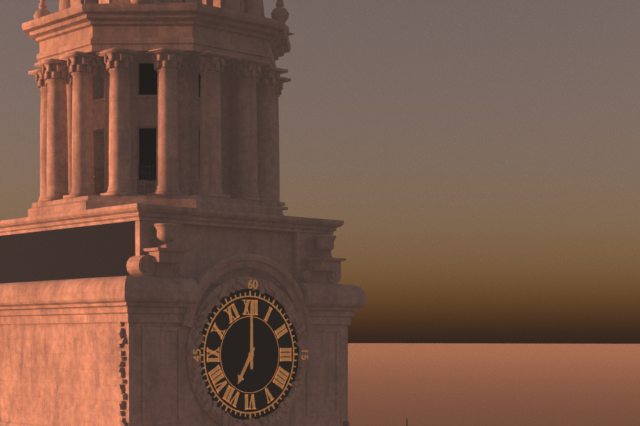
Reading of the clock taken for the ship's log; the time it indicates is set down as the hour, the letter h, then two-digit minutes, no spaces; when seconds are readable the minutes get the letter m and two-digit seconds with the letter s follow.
7h00
